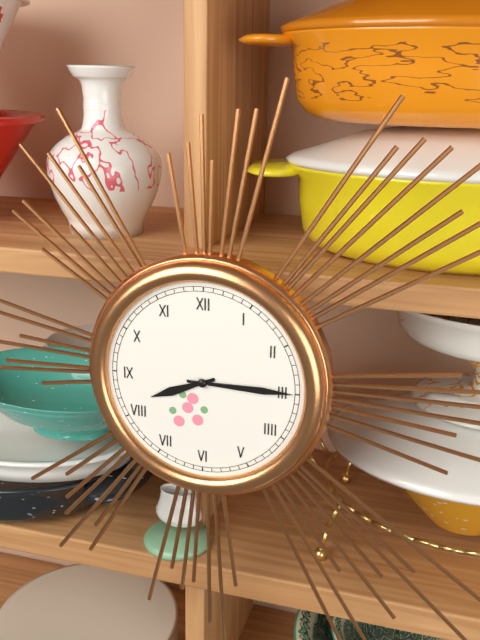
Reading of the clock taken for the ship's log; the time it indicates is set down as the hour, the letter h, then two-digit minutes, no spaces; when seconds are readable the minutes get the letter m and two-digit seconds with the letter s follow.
8h15
